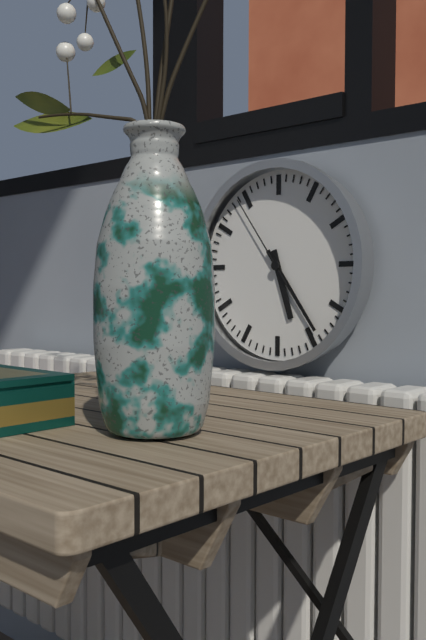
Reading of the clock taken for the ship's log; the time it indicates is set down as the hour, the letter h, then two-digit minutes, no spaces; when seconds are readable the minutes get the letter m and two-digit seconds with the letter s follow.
5h24m54s
